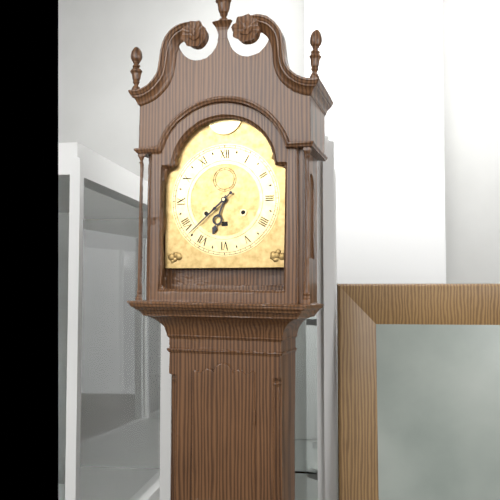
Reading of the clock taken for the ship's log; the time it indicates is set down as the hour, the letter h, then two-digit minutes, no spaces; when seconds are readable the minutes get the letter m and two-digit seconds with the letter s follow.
6h38
